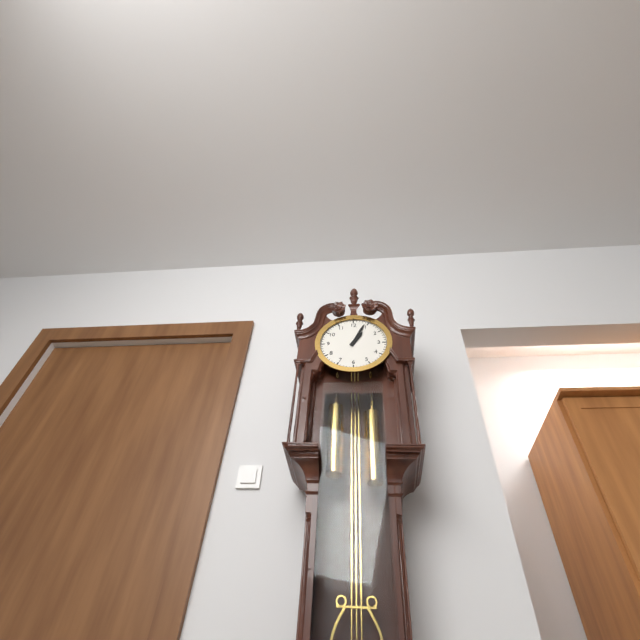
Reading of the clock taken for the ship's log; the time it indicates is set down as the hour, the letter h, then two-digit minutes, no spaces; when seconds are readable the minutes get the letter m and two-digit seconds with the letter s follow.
1h04
